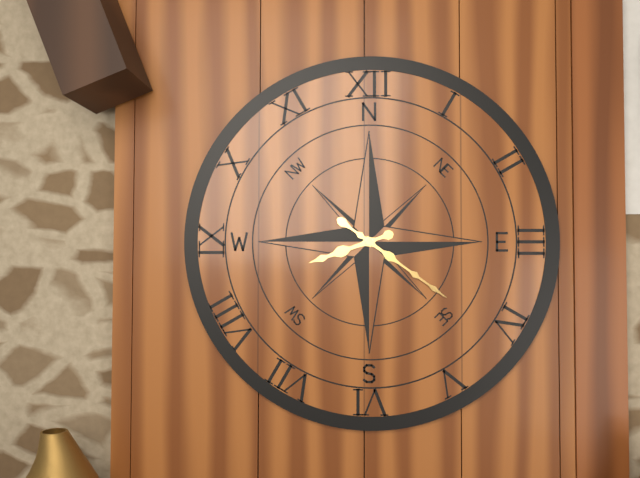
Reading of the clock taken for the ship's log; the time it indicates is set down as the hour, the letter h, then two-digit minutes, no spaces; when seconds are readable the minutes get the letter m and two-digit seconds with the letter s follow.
8h21
